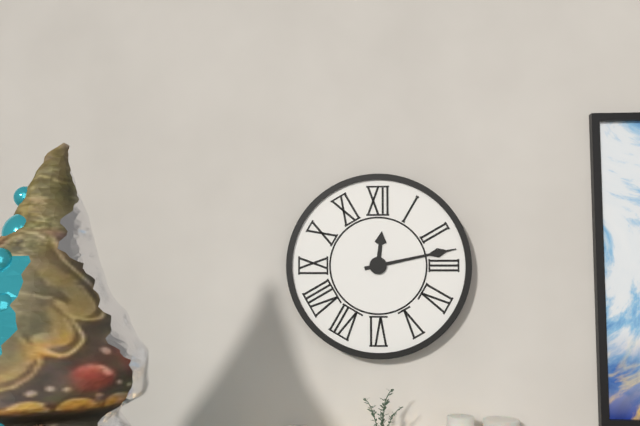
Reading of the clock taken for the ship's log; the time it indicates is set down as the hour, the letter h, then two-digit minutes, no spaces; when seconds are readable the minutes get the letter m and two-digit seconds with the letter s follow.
12h13
